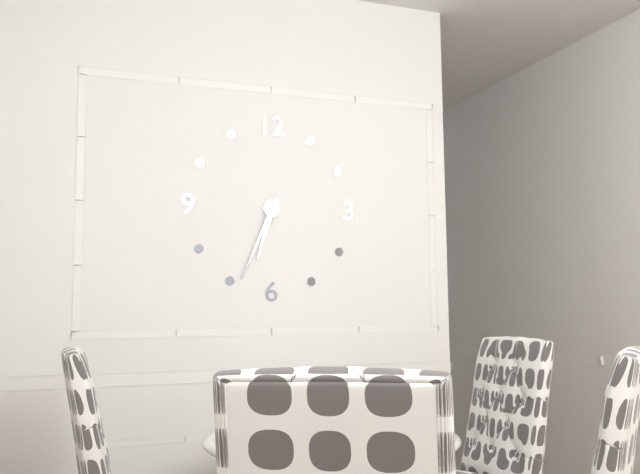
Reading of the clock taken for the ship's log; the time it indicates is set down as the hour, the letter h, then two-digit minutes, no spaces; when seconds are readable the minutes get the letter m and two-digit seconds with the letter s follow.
6h34
